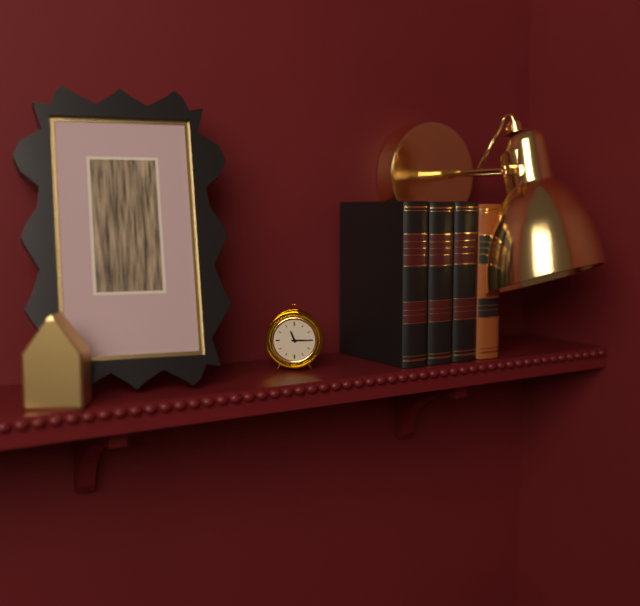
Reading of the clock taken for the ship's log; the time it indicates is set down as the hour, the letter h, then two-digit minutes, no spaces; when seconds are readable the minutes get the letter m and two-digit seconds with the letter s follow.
11h15
